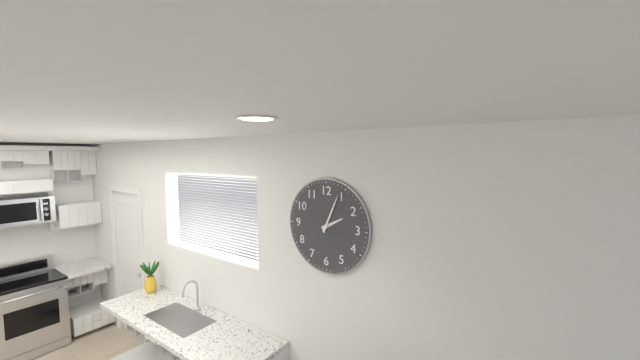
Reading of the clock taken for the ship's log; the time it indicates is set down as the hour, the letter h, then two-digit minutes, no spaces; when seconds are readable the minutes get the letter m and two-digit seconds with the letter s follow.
2h04
